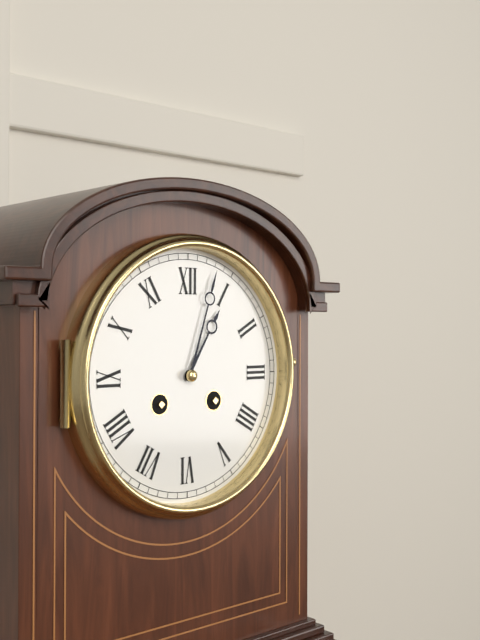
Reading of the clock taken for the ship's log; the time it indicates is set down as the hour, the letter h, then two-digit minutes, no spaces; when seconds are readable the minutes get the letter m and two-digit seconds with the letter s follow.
1h03
